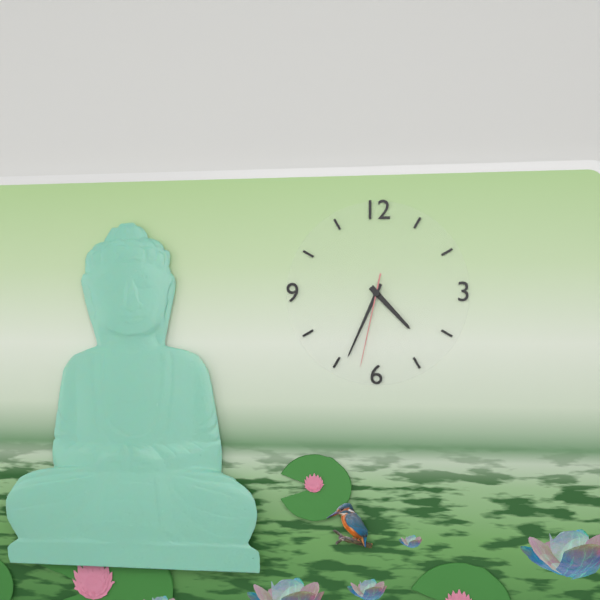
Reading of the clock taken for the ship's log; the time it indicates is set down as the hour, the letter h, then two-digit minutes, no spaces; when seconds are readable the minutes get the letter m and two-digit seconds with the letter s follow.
4h34m32s
